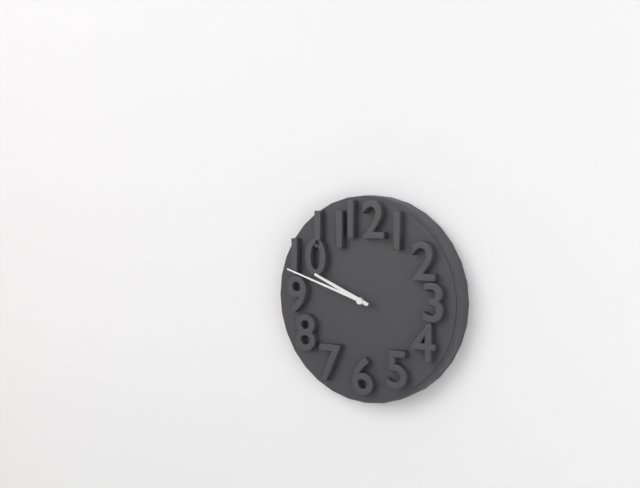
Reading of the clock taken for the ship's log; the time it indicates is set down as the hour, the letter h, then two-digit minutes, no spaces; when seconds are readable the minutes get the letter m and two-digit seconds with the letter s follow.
9h48
